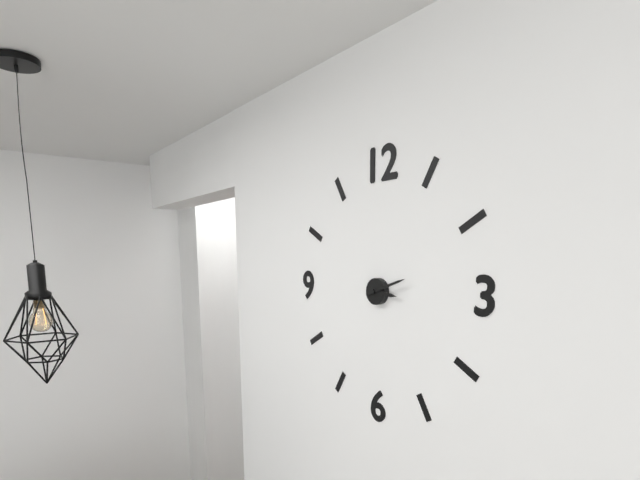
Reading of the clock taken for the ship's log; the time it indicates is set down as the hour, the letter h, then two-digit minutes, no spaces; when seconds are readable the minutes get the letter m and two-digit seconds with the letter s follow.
3h12
